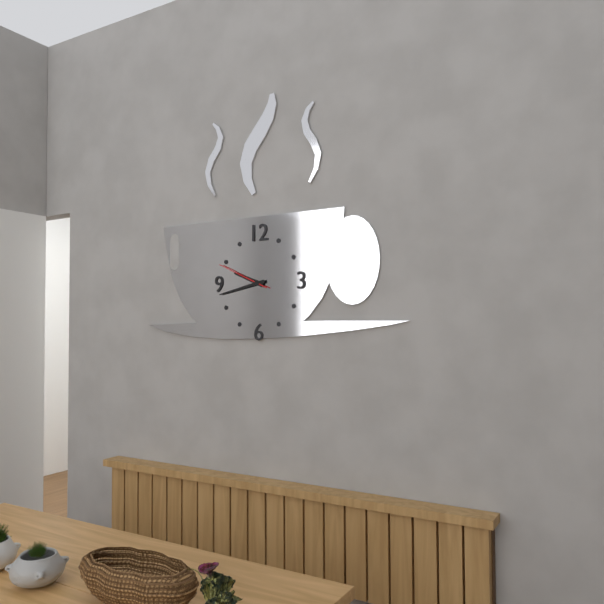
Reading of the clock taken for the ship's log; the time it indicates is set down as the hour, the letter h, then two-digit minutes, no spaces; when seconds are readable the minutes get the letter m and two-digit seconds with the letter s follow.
9h43m49s
